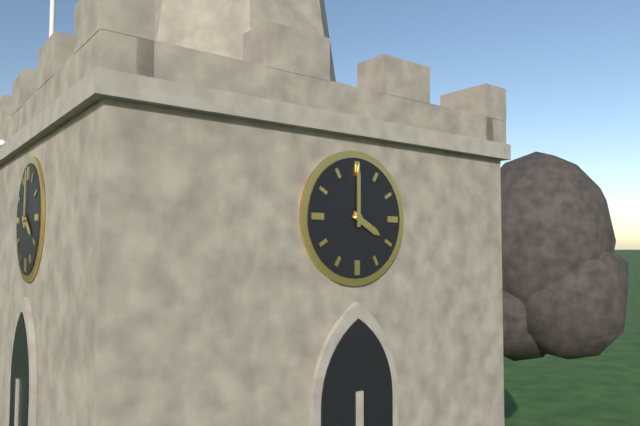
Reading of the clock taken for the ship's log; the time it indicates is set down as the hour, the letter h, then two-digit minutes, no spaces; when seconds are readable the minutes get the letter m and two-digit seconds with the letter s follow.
4h00
